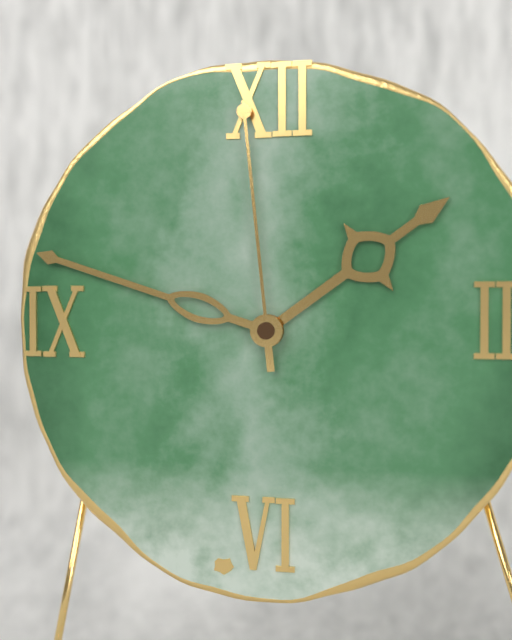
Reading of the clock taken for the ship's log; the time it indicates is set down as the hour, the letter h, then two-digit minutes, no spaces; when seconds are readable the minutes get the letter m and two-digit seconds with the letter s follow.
1h48m59s
